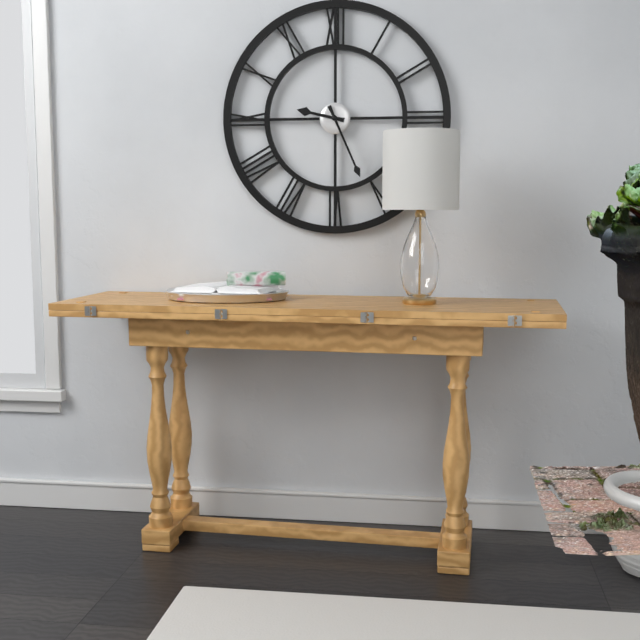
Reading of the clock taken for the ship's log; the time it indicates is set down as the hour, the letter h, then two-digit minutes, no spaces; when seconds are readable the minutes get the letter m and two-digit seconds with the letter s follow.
9h26
